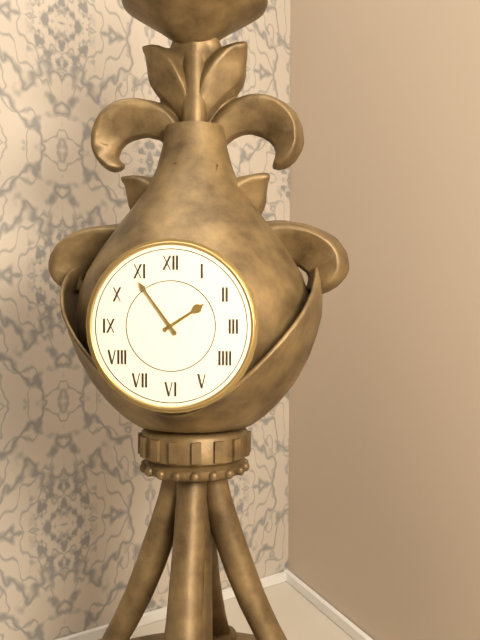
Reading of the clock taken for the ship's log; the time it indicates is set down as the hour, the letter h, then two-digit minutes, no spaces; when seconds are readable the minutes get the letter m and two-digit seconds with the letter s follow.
1h54
